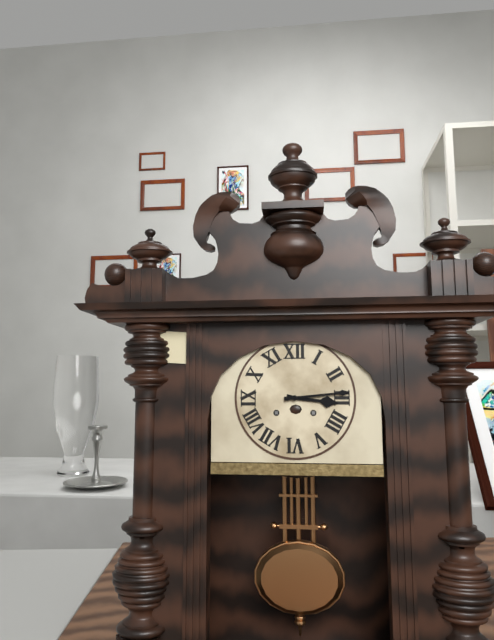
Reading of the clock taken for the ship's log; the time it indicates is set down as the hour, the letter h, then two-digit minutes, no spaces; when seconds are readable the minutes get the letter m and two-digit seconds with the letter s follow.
3h14
